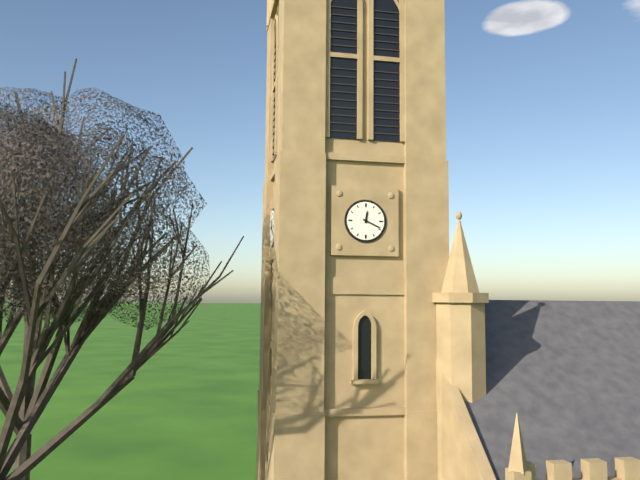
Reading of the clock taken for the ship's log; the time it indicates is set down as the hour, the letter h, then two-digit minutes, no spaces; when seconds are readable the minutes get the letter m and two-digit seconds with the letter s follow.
12h19
